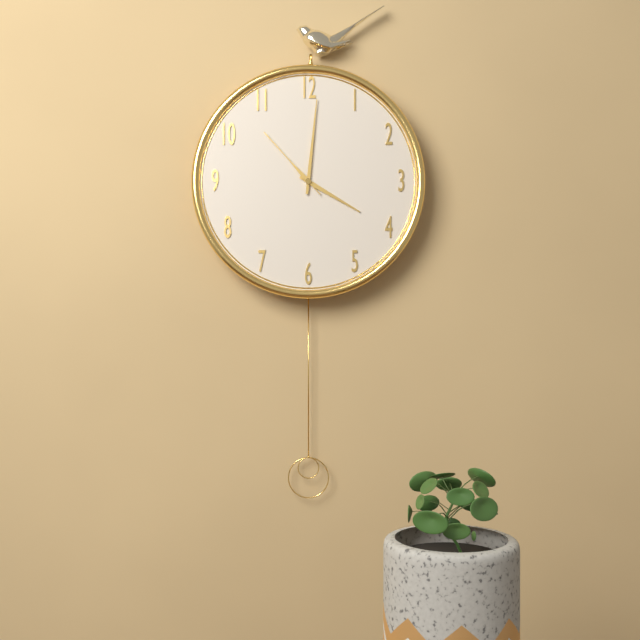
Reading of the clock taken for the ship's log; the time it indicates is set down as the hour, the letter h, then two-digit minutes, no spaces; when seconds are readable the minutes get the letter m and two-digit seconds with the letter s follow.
4h01m53s
